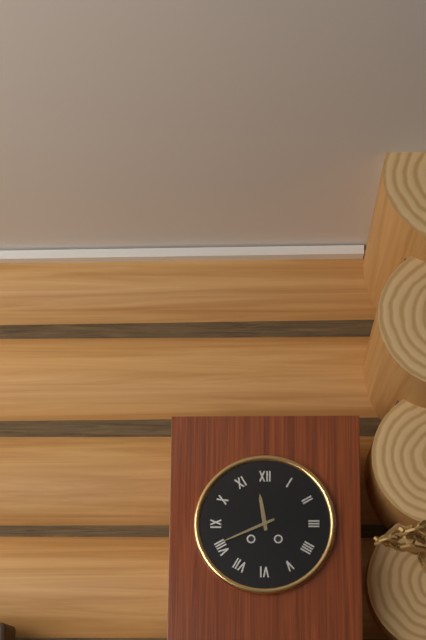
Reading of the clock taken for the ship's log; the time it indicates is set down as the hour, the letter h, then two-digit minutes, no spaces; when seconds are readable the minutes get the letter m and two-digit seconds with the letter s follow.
11h41
